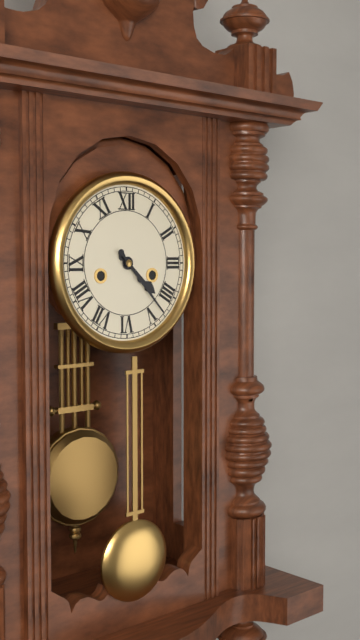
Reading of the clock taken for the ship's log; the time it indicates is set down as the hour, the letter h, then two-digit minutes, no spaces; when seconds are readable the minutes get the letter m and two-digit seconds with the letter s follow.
4h23
